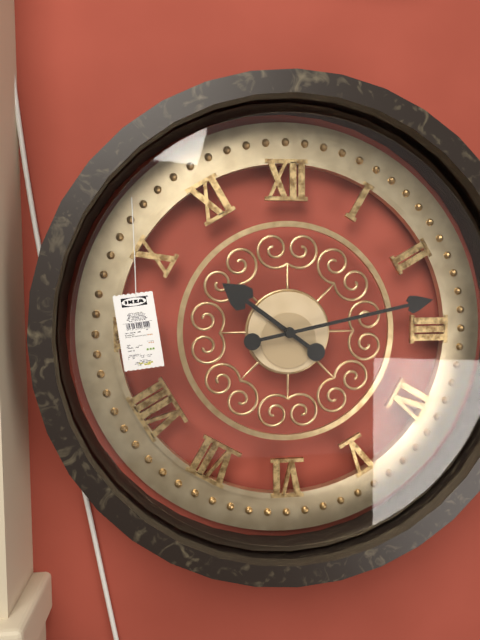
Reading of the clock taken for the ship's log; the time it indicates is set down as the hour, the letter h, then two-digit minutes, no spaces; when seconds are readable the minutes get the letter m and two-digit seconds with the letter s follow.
10h13
